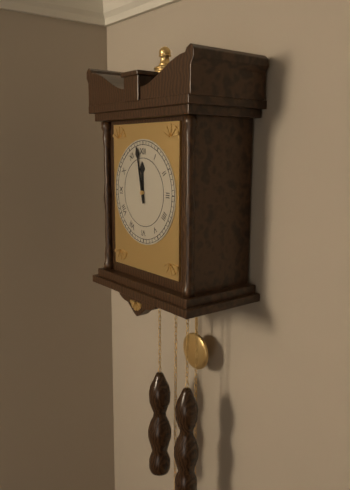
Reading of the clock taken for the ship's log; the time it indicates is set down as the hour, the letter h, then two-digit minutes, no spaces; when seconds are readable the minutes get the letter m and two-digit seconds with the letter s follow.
11h58
